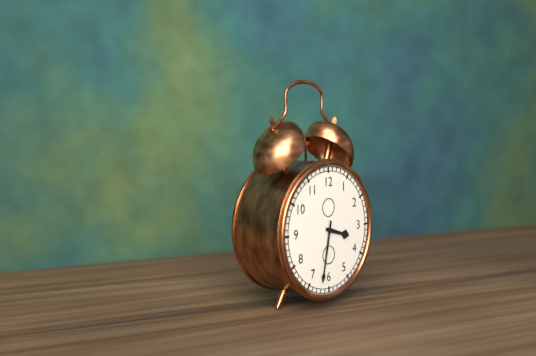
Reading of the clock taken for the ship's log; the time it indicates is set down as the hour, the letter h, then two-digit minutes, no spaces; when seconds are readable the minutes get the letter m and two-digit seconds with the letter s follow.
3h32
